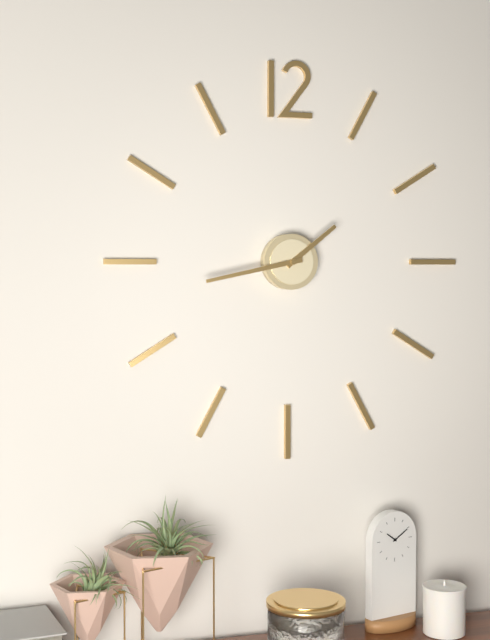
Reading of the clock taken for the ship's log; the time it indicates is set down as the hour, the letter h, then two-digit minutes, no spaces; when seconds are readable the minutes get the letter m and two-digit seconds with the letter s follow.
1h43
